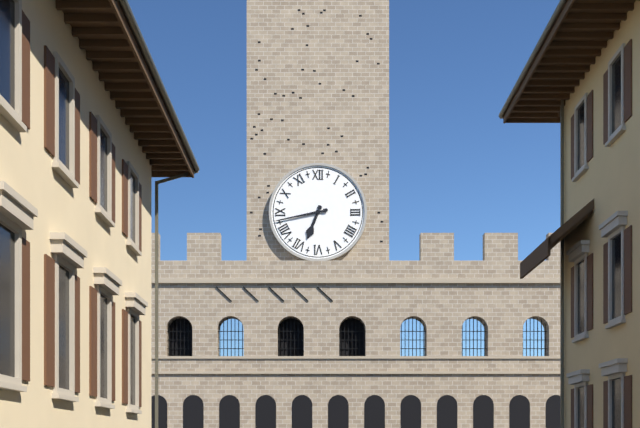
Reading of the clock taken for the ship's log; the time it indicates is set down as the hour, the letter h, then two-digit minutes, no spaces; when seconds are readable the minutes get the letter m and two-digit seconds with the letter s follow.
6h43
